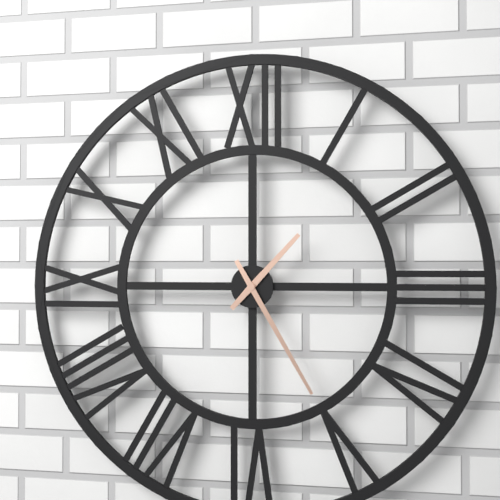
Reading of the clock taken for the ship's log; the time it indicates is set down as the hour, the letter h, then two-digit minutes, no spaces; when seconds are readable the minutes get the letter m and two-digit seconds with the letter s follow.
1h25
